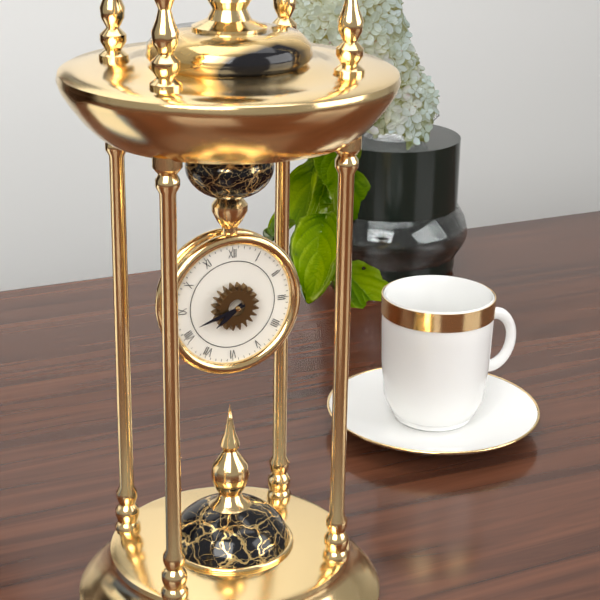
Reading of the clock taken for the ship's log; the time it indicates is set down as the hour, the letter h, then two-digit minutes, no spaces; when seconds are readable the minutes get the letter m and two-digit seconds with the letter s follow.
7h42
